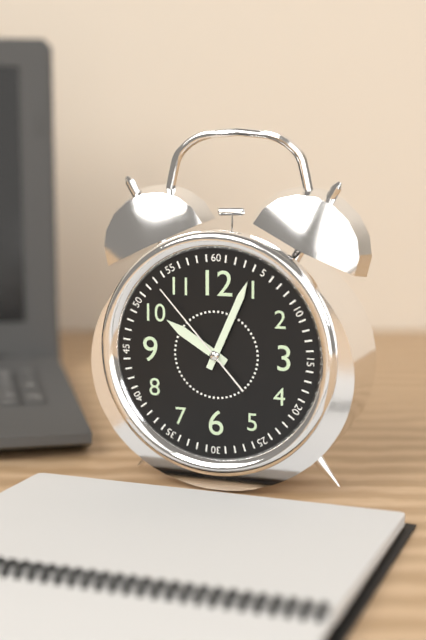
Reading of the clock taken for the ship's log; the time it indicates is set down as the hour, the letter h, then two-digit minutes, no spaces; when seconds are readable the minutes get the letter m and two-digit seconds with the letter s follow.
10h04m53s
